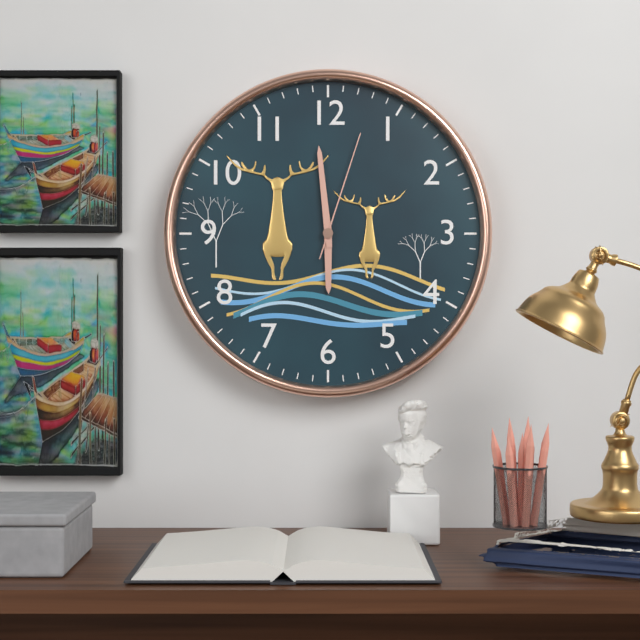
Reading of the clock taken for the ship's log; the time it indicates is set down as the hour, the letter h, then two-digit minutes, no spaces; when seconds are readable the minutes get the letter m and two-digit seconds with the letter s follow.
5h59m03s
